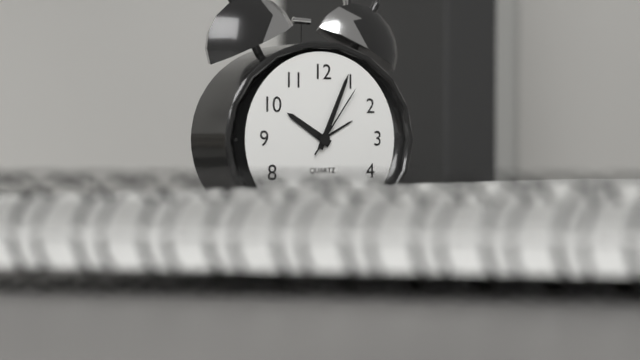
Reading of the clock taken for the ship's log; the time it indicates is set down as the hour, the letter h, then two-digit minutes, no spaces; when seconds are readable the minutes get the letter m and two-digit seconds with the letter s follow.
10h04m06s
